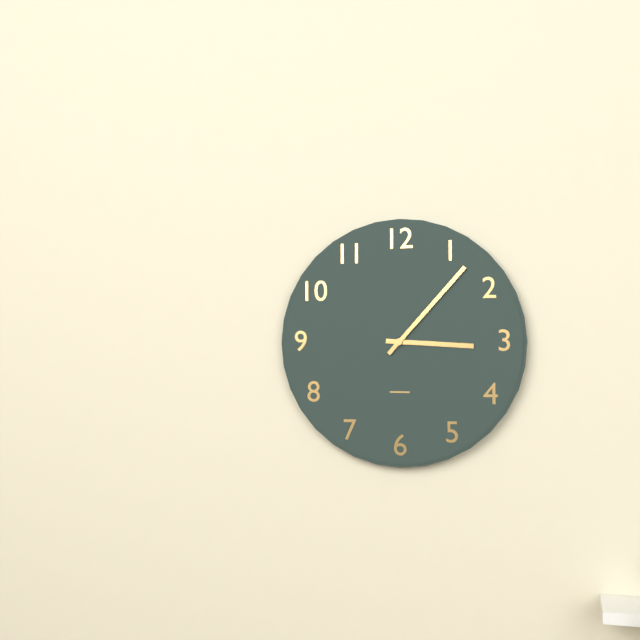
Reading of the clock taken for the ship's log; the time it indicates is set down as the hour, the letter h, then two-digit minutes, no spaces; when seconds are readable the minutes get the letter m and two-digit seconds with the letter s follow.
3h07
